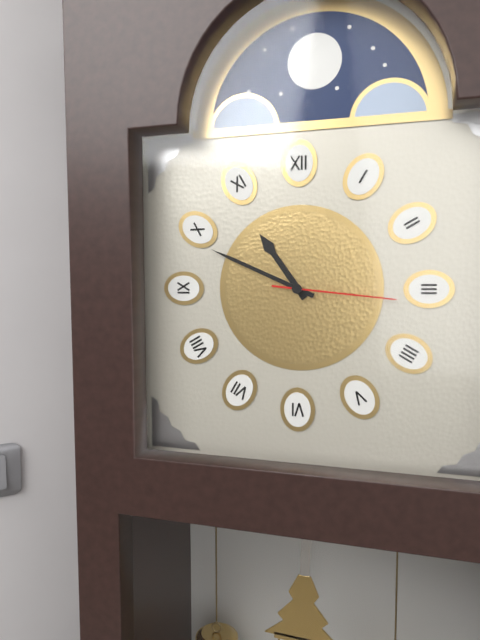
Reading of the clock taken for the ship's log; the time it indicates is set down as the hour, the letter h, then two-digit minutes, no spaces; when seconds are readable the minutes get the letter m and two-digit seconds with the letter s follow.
10h49m16s
